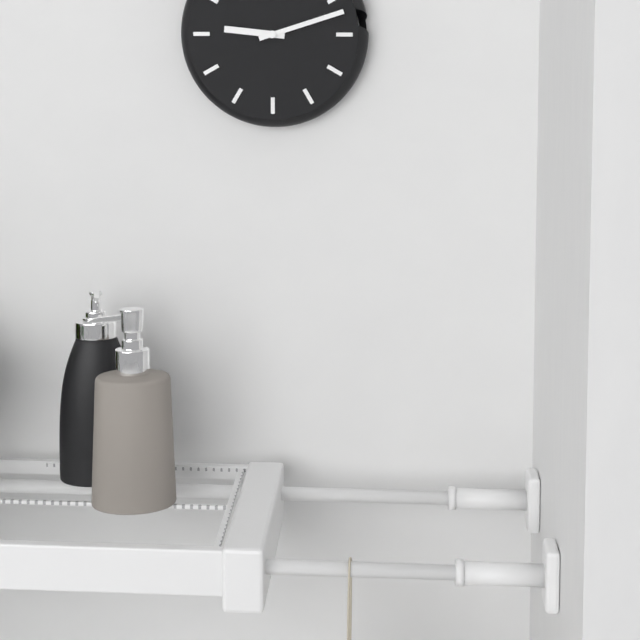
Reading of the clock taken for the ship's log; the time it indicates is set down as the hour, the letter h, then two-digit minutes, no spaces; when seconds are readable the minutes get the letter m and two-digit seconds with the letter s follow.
9h12
